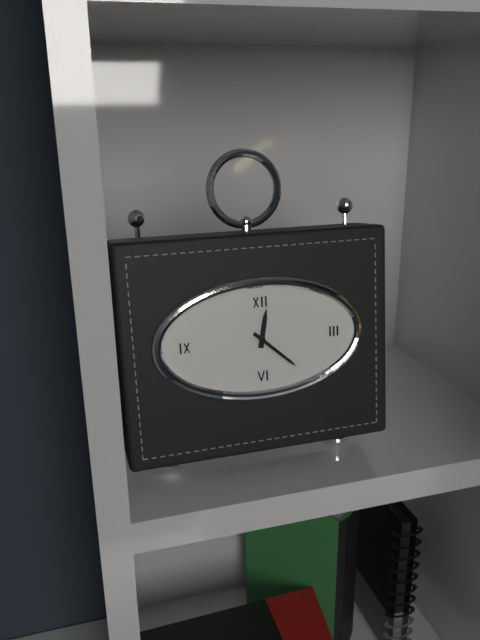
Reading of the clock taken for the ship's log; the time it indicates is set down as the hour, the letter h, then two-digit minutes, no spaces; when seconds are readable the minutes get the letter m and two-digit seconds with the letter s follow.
12h22
